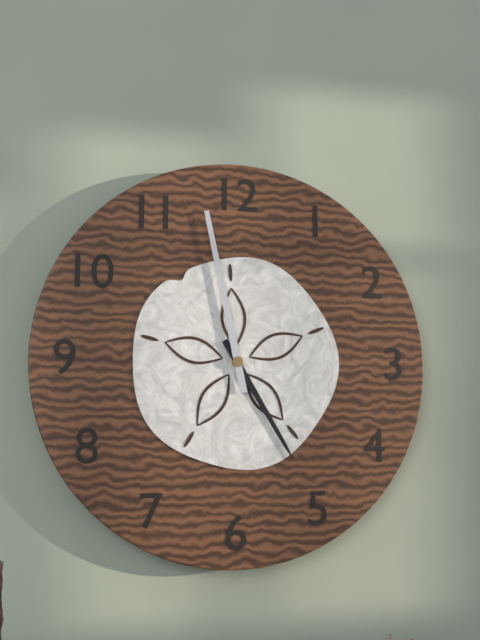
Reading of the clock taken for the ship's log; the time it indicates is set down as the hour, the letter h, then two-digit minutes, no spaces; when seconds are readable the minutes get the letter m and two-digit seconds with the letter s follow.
4h58
